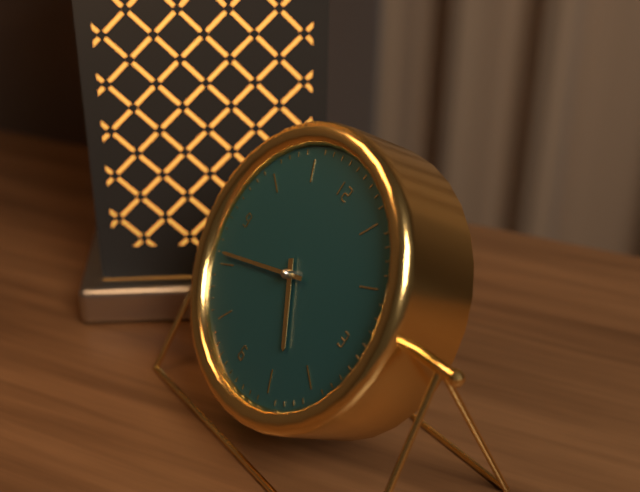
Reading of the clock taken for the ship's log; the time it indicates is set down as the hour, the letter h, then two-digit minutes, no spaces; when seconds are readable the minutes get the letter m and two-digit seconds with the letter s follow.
4h41
